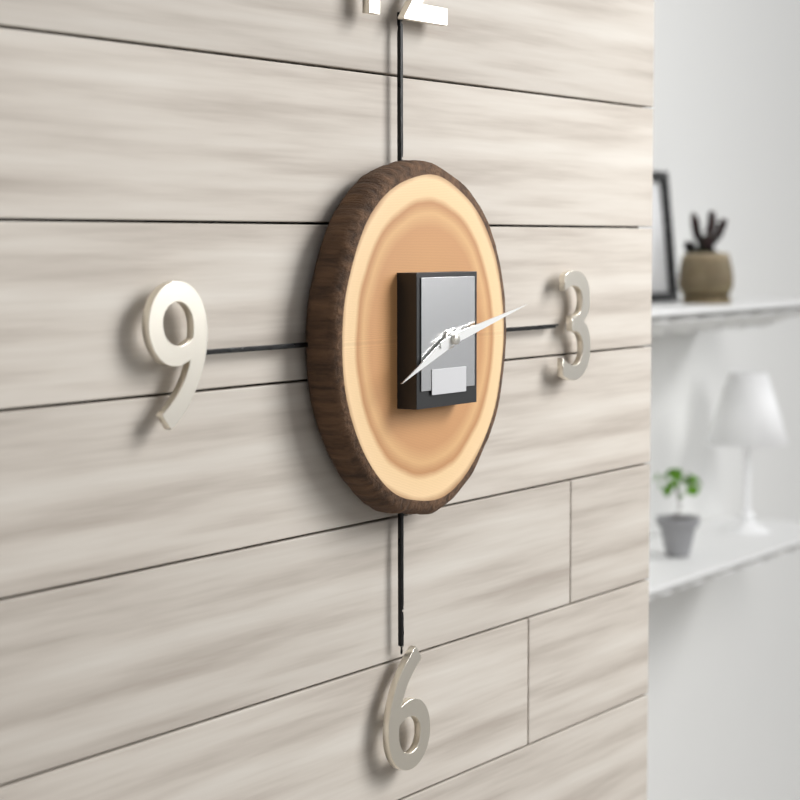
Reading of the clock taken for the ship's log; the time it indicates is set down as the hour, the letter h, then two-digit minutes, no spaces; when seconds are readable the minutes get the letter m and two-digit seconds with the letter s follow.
8h13
